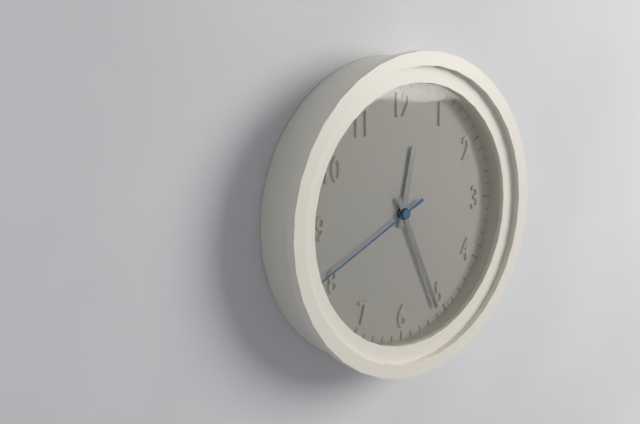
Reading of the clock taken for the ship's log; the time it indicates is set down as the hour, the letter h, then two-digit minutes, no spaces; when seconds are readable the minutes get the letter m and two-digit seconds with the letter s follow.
12h26m41s
